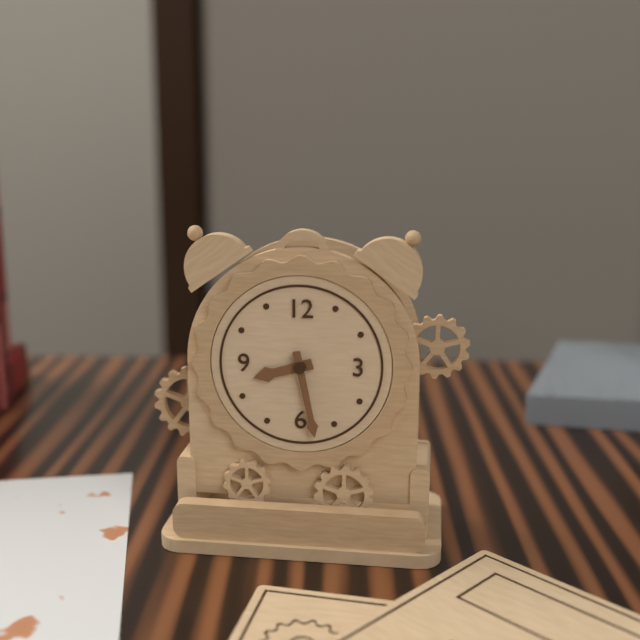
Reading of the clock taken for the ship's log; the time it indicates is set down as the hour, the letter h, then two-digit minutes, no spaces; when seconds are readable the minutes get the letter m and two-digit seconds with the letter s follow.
8h28
